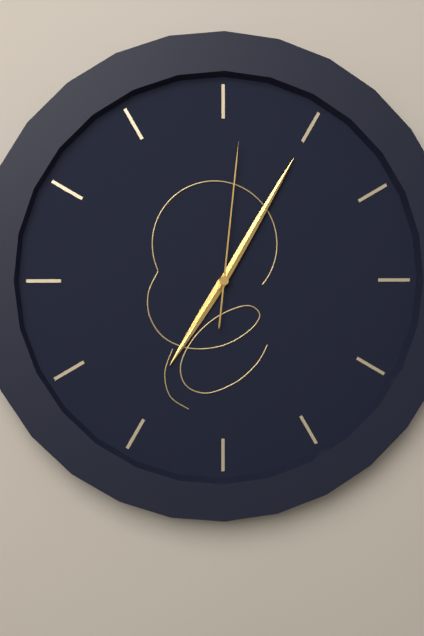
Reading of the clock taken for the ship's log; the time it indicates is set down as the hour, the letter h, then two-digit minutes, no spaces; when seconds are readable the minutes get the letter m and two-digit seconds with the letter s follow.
7h05m01s
